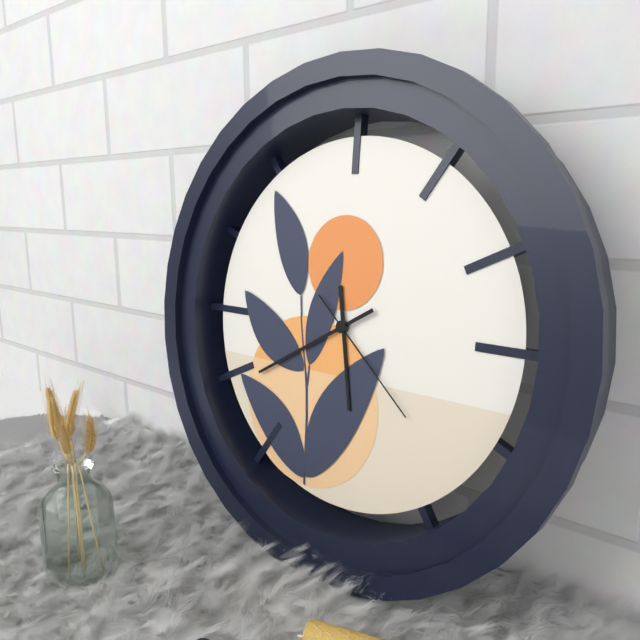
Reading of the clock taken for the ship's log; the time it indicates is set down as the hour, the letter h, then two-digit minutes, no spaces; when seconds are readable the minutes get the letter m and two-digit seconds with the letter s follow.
5h40m22s
